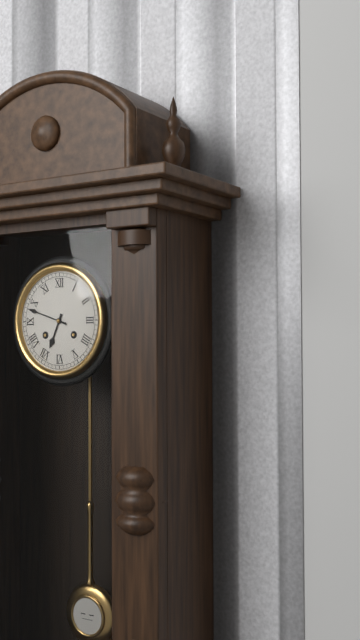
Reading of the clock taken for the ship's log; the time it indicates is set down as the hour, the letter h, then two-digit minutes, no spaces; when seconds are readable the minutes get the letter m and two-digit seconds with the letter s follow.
6h48
